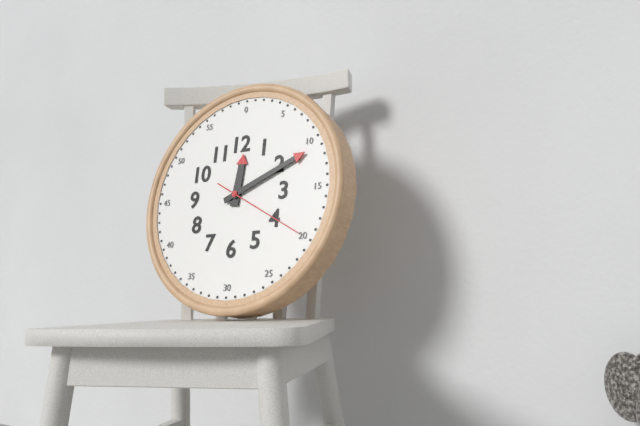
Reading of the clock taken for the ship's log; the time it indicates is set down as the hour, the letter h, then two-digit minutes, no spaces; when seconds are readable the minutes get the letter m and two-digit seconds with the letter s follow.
12h11m20s
